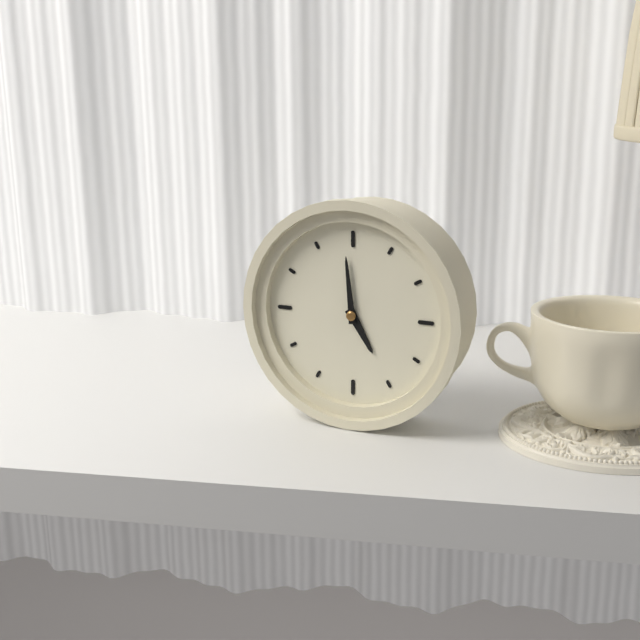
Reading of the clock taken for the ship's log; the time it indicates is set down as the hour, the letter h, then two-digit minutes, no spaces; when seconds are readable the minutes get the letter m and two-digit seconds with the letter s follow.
4h59
